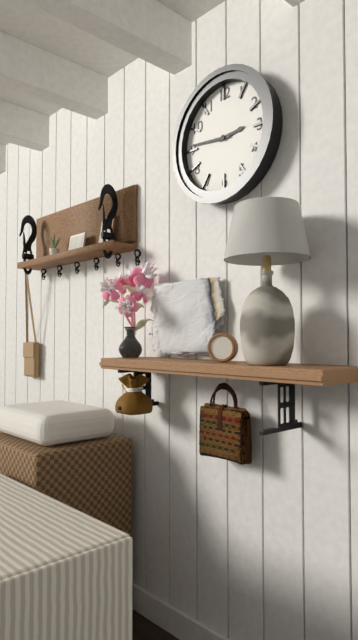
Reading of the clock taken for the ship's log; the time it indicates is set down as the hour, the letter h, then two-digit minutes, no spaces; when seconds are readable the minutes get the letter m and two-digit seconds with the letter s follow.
2h46
